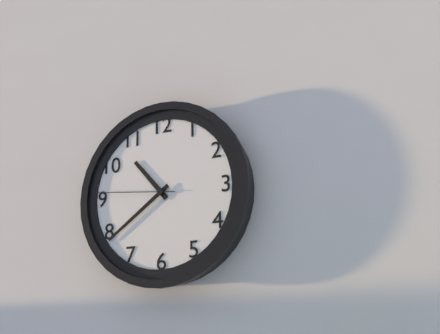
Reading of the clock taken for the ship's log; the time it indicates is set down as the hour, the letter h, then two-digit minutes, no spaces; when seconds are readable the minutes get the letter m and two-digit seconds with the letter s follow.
10h39m46s
